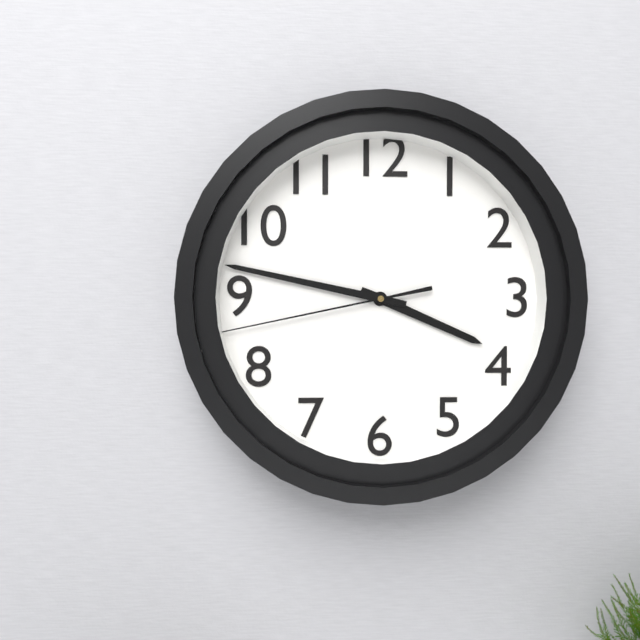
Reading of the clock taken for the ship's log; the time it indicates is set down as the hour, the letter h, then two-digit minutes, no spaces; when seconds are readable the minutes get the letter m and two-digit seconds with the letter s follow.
3h47m43s
